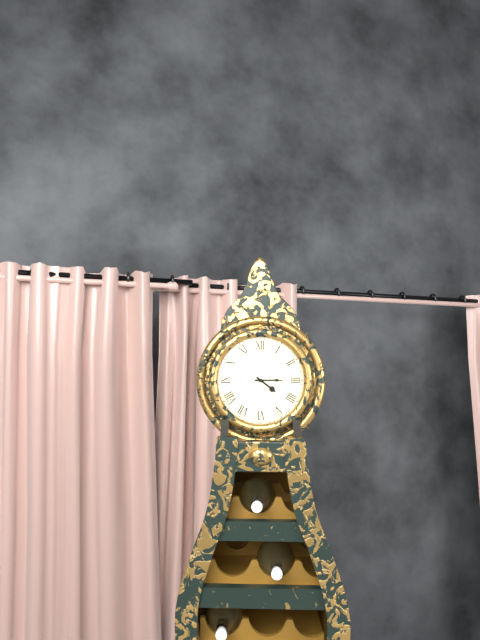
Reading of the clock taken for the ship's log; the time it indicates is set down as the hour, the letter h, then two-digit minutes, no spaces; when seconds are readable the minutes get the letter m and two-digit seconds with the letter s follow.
4h15
